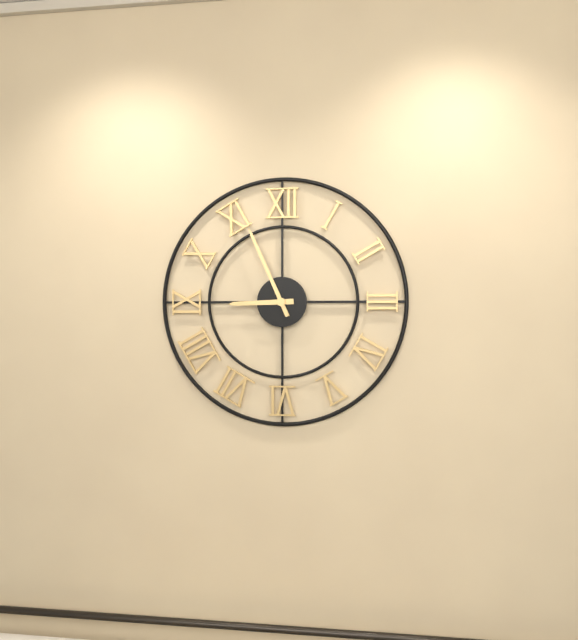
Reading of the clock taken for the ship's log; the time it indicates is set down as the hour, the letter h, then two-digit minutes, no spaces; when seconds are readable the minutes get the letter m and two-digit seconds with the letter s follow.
8h56
